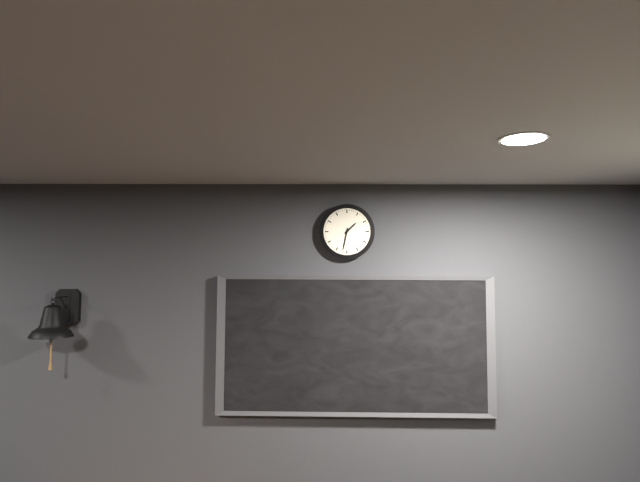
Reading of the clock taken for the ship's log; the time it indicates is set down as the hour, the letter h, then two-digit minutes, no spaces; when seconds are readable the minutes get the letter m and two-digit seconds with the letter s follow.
1h32
